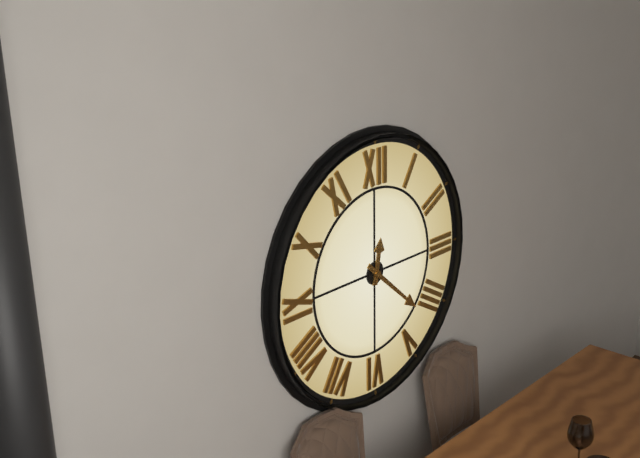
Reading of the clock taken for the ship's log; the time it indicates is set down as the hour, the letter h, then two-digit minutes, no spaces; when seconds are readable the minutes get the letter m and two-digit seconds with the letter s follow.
12h22
